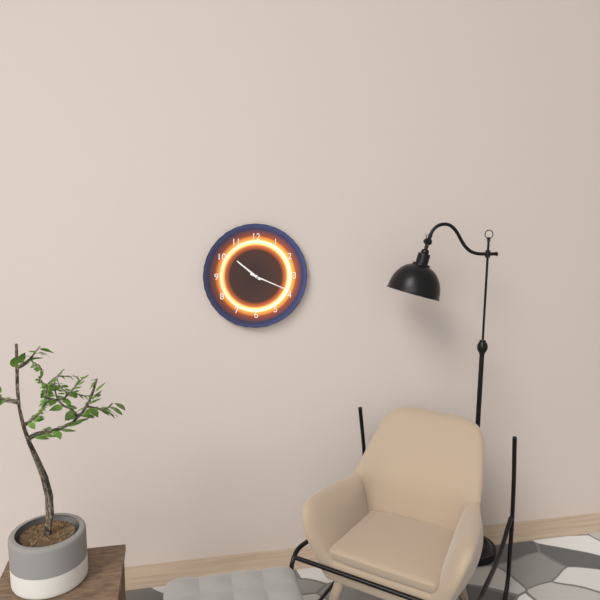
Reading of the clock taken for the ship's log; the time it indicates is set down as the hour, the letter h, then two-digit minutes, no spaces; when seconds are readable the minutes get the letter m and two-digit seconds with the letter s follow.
10h19
